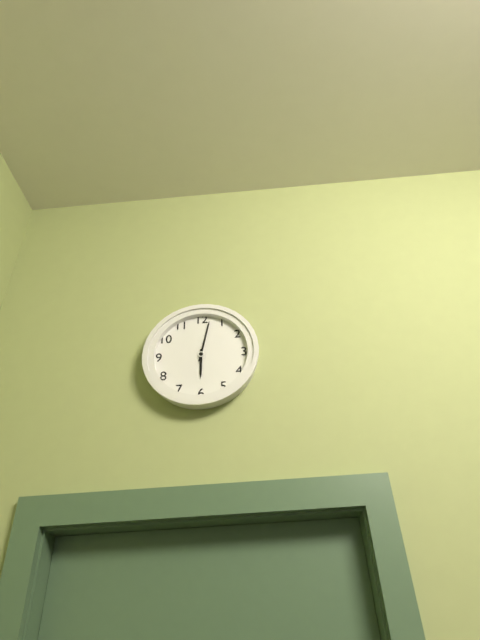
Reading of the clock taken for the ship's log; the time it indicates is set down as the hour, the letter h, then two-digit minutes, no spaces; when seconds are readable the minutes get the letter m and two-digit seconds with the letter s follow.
6h02
